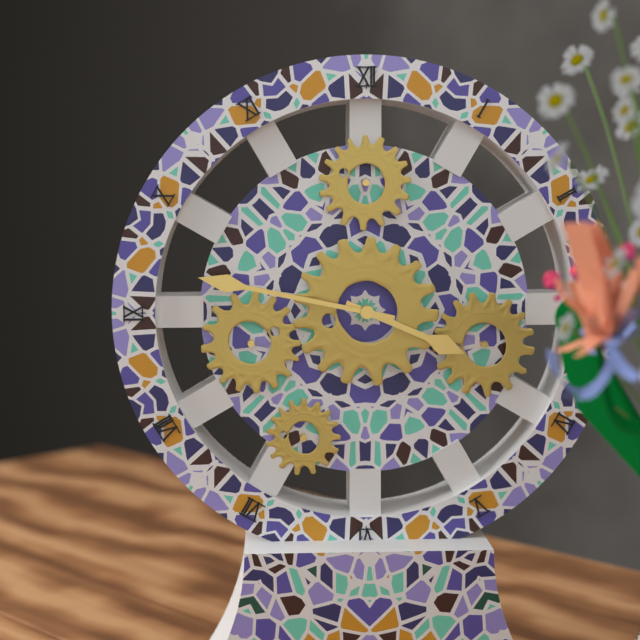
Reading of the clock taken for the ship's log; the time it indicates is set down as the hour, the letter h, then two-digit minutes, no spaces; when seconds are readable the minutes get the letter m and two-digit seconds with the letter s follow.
3h47
